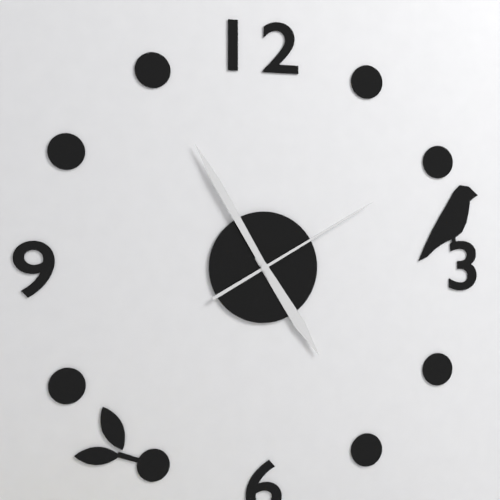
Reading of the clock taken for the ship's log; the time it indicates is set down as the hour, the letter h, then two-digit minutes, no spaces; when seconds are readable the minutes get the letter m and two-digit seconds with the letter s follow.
4h55m10s
